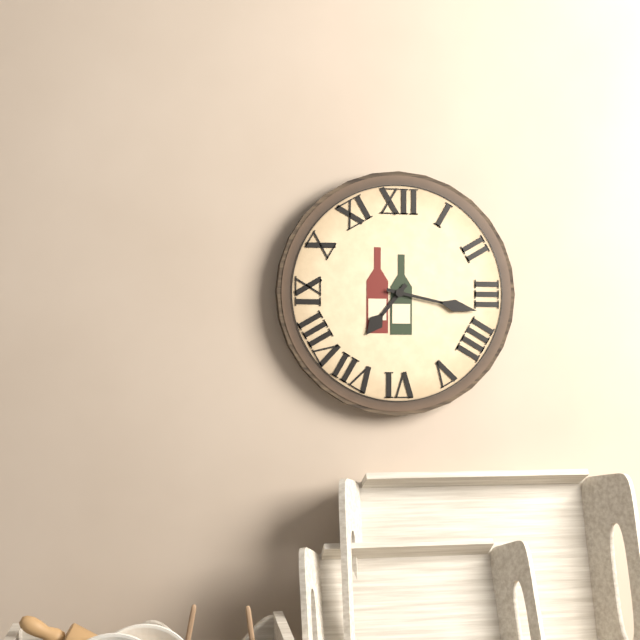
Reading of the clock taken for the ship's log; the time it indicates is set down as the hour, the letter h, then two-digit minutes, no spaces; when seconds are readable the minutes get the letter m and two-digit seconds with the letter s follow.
7h17
